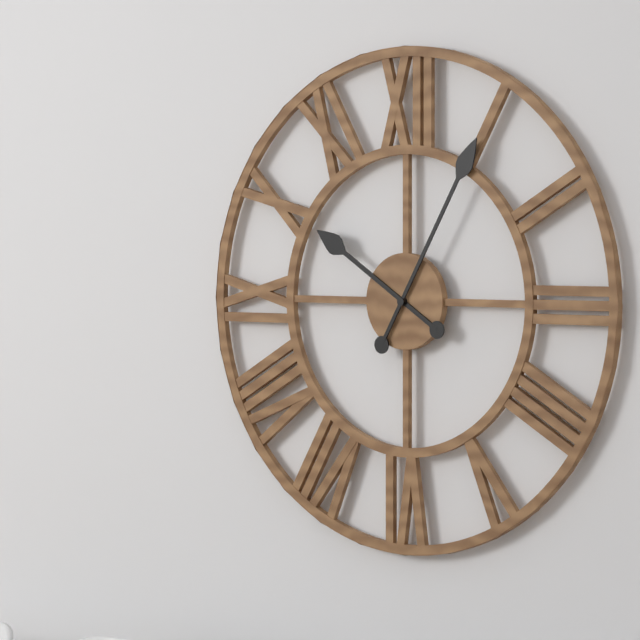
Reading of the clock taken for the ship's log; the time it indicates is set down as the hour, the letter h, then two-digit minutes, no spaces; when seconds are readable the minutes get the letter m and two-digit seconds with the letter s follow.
10h05
